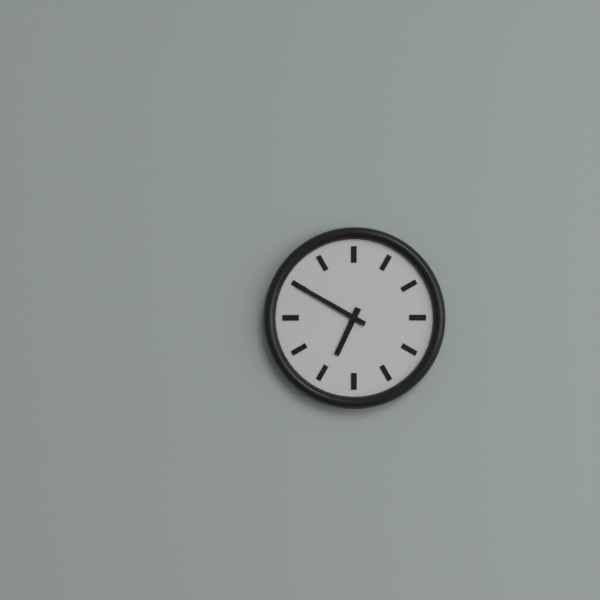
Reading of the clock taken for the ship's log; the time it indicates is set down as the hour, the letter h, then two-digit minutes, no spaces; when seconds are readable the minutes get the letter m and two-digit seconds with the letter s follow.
6h50
